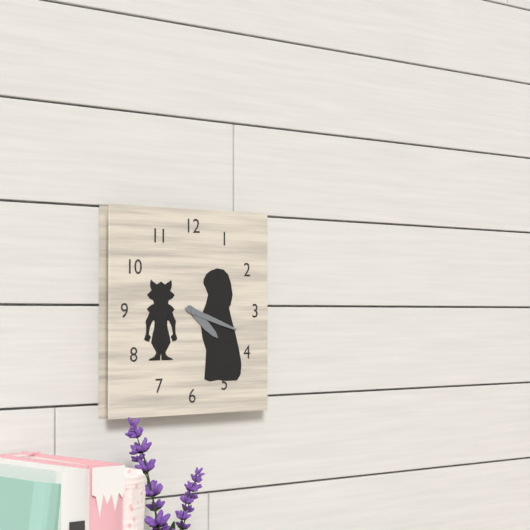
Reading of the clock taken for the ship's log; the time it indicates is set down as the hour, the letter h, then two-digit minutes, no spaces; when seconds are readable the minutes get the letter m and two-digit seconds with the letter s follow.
4h18
